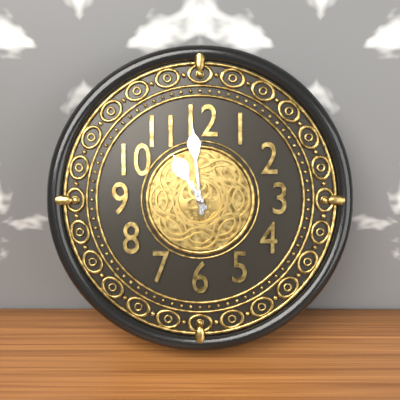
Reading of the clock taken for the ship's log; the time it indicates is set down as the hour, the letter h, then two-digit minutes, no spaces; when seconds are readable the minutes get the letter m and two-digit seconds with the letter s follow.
10h59
